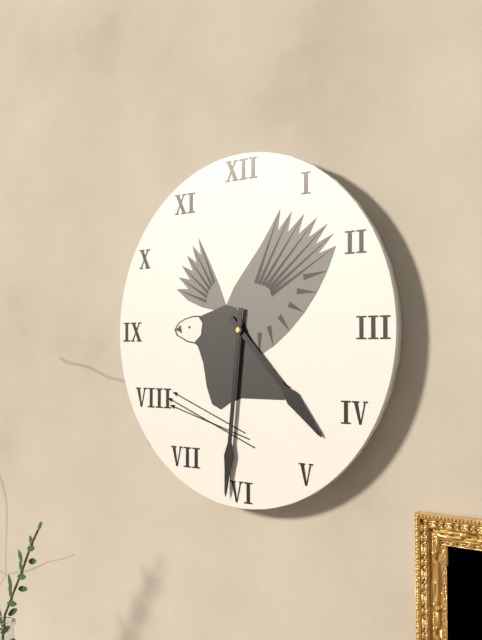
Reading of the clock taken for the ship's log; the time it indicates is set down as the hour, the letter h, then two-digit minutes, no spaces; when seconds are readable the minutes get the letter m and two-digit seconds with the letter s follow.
4h31
